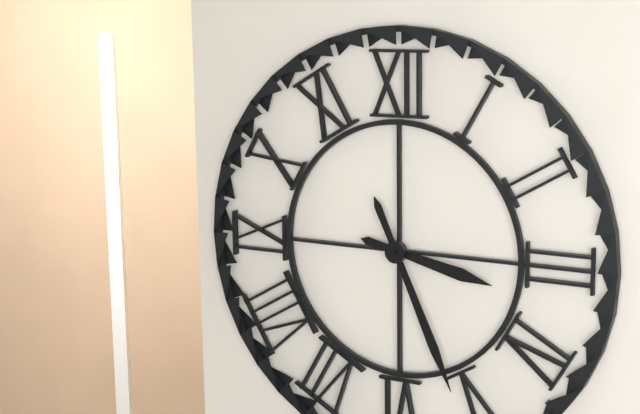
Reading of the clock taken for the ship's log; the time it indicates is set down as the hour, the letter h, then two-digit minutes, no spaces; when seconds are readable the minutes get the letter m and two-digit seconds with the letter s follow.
3h26
